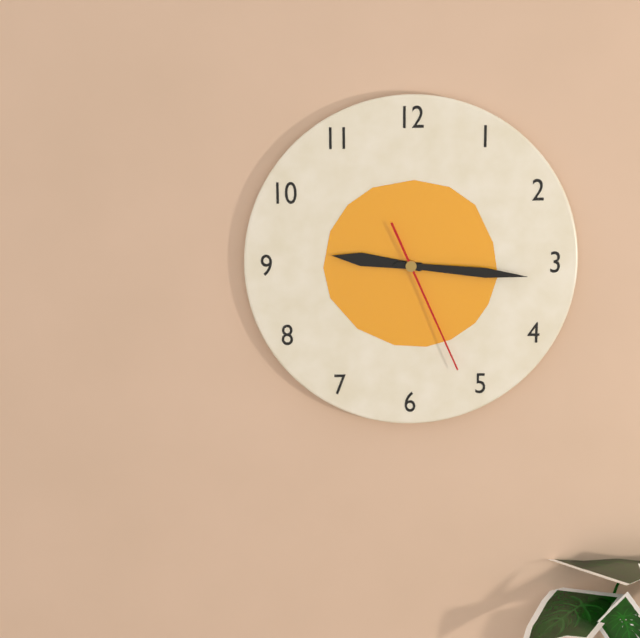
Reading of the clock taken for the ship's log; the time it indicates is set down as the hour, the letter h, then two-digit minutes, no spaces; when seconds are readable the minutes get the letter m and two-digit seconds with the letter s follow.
9h16m26s
